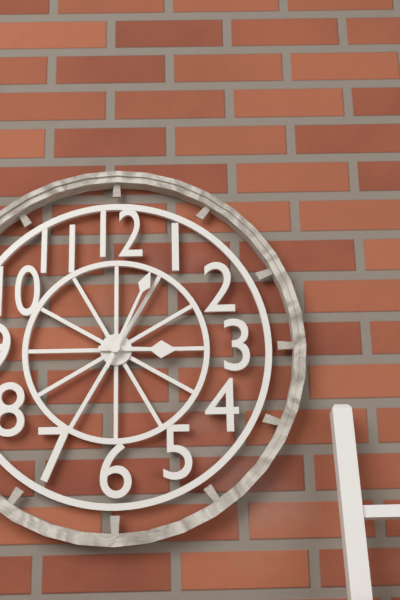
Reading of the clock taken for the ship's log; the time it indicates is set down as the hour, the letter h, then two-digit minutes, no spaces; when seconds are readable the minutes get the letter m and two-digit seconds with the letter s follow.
3h04
